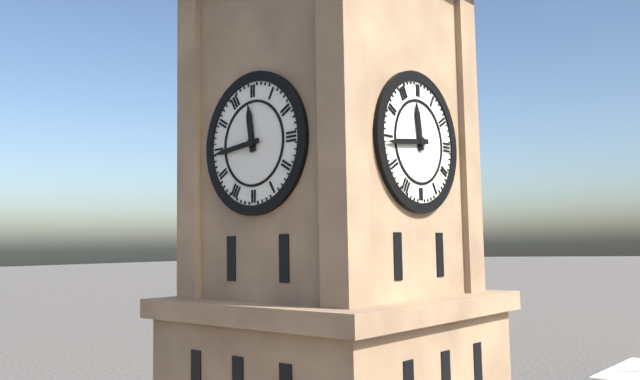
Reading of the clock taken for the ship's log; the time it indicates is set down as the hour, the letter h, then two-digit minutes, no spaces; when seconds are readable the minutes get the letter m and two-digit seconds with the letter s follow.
11h44
